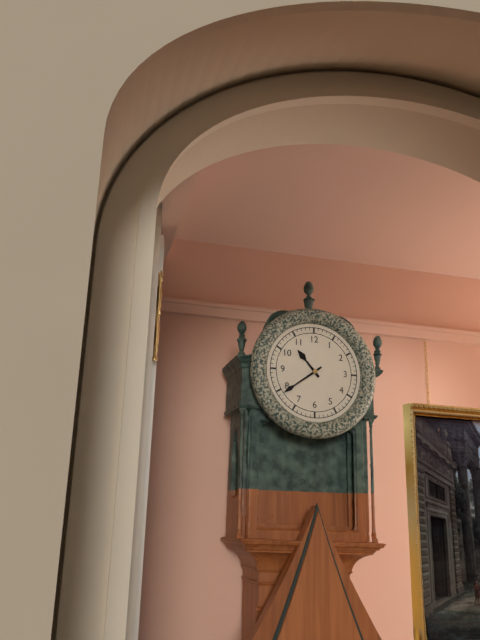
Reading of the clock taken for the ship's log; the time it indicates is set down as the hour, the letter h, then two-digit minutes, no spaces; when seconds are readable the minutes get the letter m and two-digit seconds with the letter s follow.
10h39
